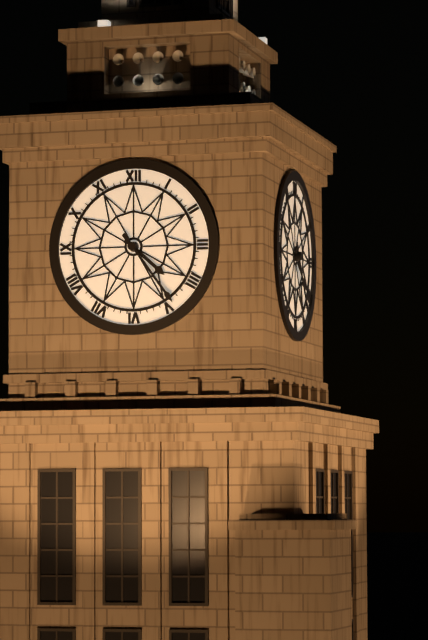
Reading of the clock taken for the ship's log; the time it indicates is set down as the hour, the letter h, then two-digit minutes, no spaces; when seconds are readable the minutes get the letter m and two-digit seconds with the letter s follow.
4h24
